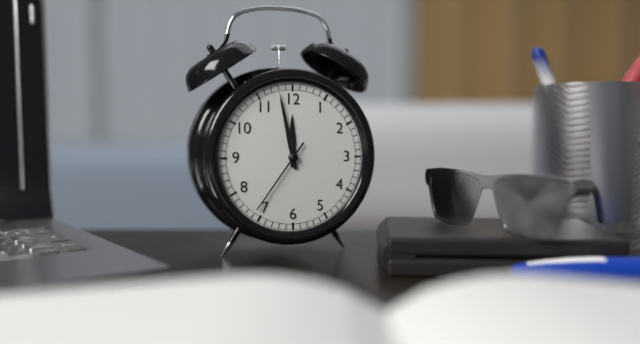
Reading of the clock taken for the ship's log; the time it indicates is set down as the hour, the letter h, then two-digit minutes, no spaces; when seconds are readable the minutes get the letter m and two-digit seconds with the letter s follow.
11h58m36s
